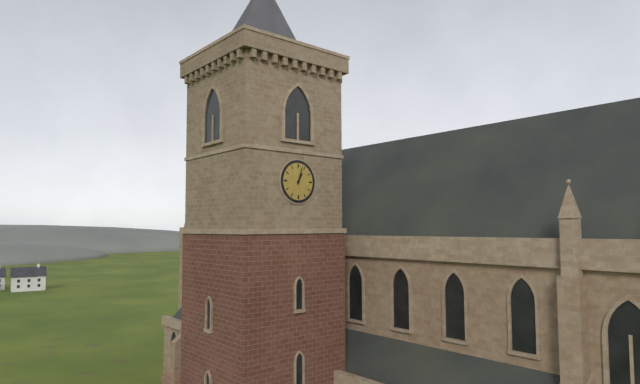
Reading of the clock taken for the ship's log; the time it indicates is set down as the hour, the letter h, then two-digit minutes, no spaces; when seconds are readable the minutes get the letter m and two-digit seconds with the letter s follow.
1h03
